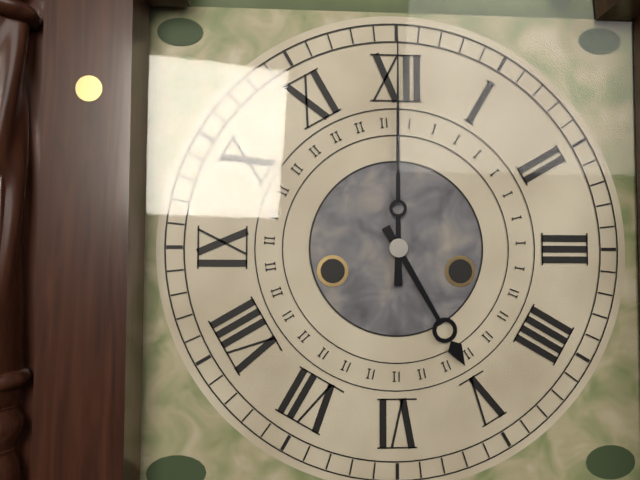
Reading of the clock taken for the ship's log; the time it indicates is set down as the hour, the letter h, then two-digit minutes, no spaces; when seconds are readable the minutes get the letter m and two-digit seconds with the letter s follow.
5h00
